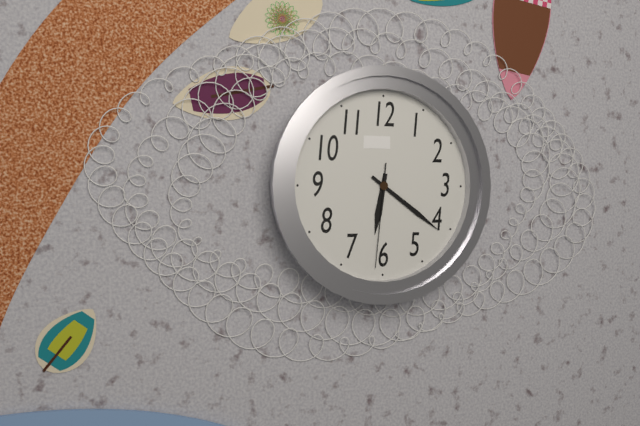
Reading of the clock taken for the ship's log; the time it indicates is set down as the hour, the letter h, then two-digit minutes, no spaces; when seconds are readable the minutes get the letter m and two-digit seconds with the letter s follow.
6h21m31s
